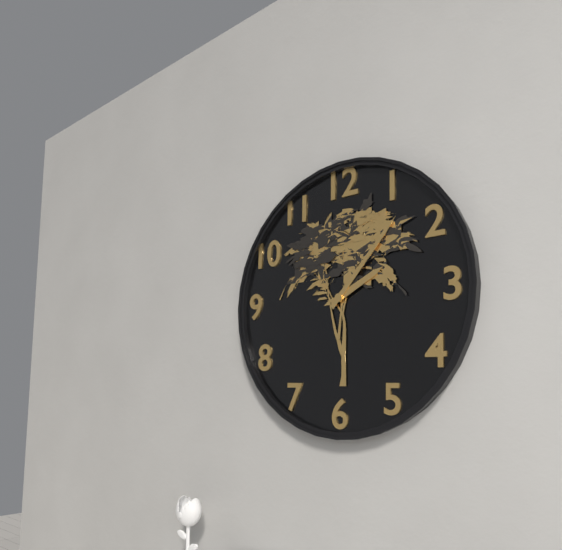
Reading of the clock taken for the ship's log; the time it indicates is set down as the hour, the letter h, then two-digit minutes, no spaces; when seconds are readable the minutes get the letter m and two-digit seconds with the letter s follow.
2h07
